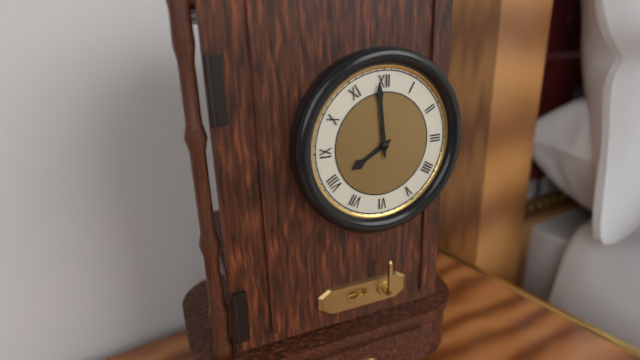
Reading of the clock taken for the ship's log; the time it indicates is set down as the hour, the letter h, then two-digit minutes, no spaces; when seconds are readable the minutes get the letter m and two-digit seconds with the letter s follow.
7h59
